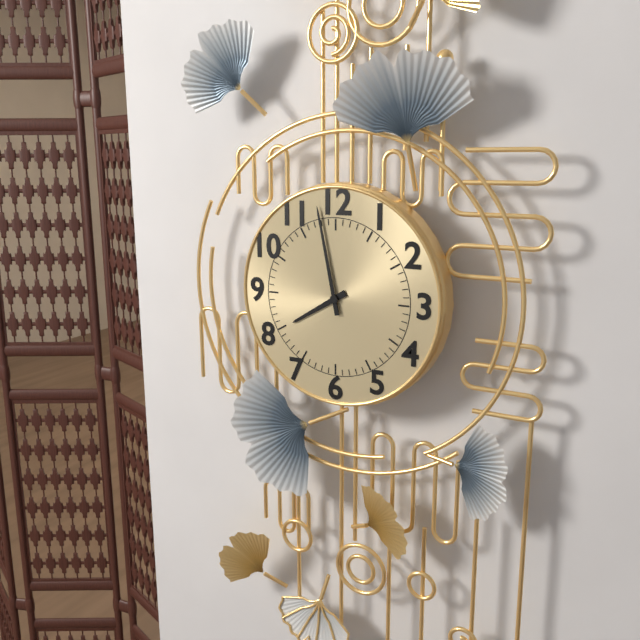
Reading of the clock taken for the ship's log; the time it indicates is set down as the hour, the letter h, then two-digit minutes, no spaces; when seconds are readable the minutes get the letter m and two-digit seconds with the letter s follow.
7h58
